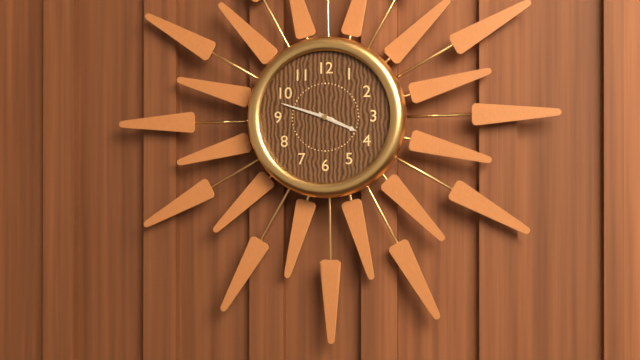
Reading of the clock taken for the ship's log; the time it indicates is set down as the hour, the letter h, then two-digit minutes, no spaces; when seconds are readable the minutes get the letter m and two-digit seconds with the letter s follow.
3h48
